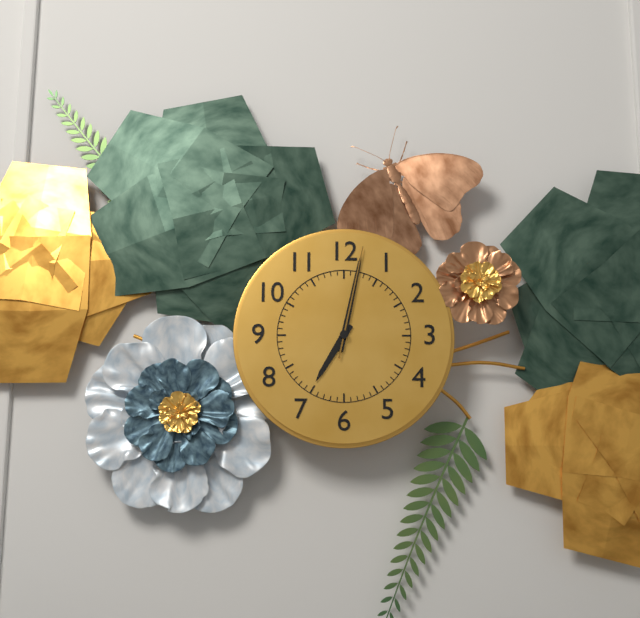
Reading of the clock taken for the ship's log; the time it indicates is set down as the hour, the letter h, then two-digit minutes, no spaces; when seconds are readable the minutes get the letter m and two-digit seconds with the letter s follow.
7h02m02s
